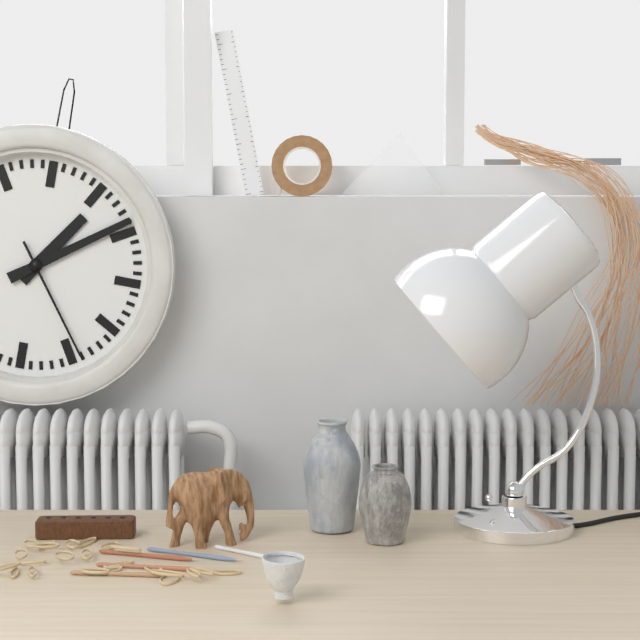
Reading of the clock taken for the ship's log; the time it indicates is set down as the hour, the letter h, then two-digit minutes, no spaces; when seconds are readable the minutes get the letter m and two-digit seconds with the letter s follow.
1h09m24s
